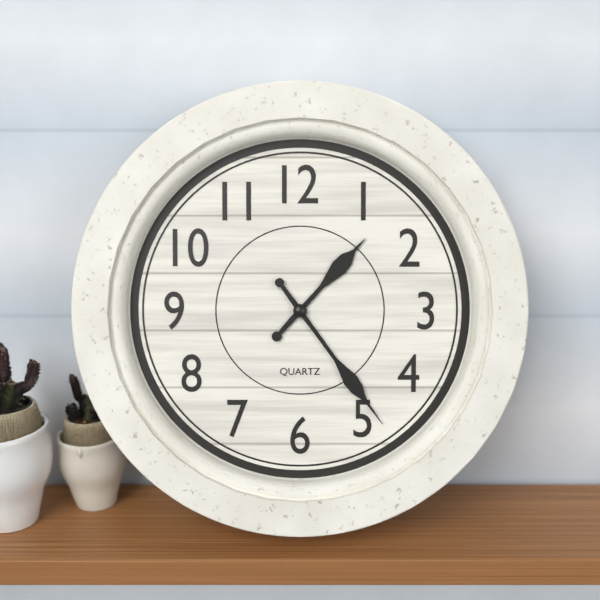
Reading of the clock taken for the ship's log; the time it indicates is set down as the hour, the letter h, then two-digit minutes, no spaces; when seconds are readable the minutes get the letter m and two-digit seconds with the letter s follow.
1h24
